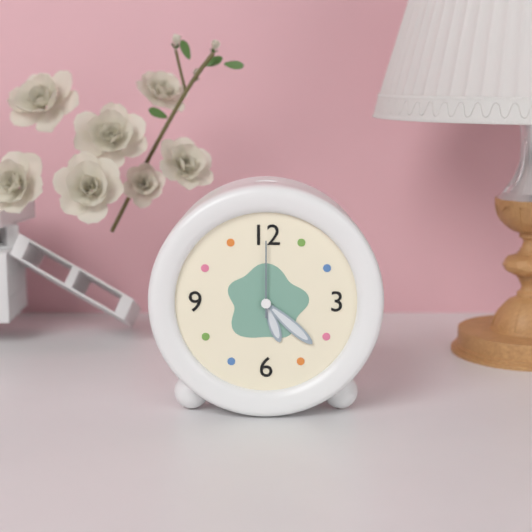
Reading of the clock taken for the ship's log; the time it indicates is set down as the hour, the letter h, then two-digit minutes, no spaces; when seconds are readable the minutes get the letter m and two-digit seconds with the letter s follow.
5h22m00s
